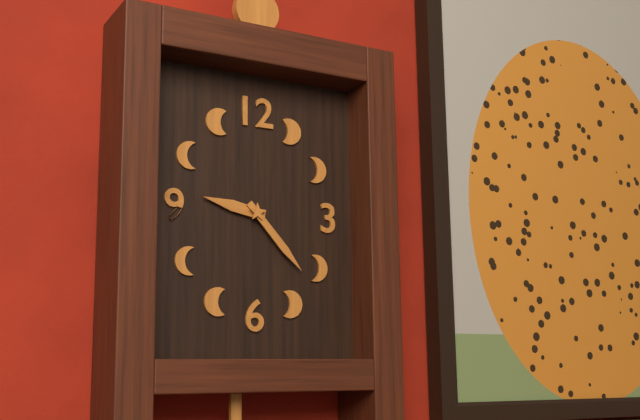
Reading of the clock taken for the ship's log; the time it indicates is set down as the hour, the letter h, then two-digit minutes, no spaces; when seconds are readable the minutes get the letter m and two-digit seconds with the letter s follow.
9h23
